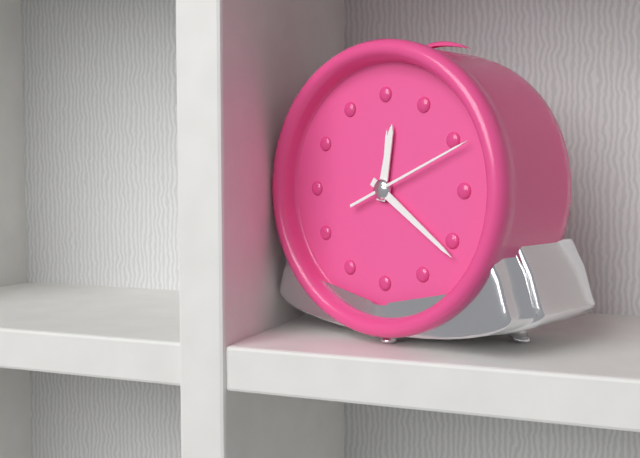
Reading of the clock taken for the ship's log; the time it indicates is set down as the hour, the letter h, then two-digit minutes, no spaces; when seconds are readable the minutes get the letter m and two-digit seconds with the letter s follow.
12h21m11s
